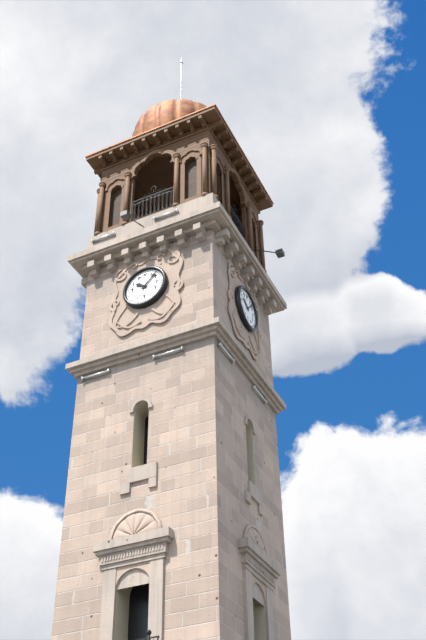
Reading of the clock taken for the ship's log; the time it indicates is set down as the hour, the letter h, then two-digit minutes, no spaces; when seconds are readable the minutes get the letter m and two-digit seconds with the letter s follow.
10h07
